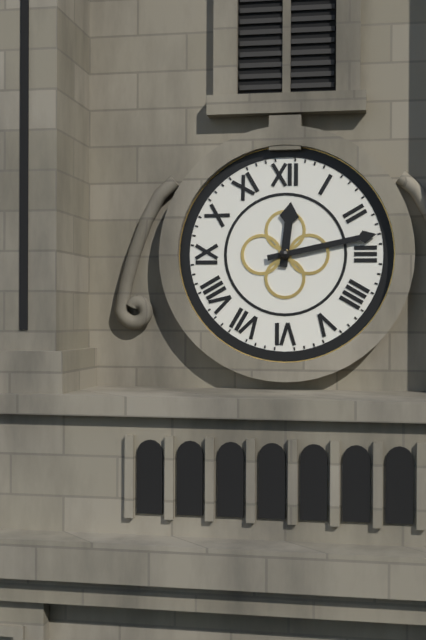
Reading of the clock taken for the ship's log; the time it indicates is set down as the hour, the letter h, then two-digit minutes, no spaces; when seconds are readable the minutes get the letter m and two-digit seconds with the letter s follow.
12h13
